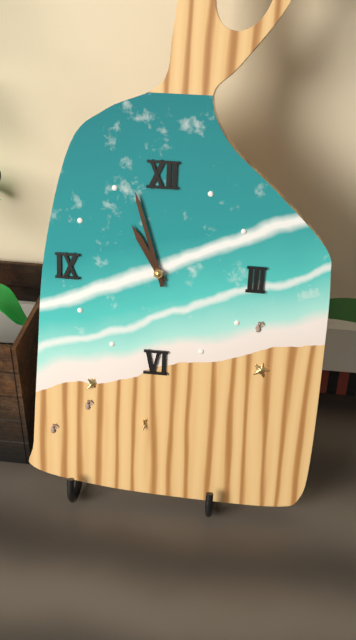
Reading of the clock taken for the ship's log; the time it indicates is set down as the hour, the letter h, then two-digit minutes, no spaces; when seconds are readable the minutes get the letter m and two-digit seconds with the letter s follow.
10h57
